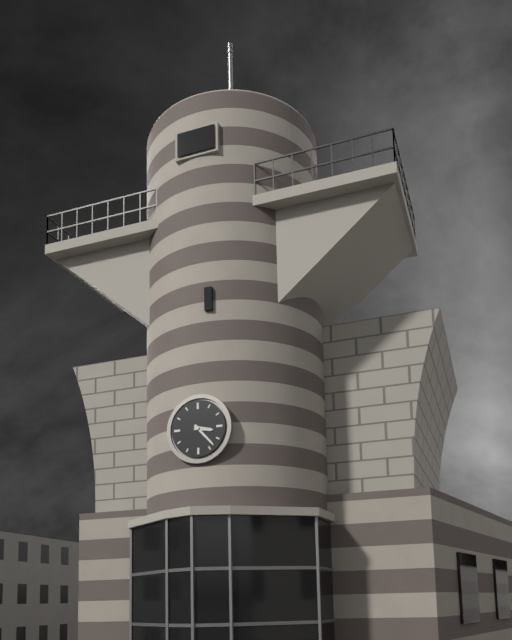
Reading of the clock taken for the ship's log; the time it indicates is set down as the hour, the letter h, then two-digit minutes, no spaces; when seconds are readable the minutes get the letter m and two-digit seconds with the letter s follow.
3h23
